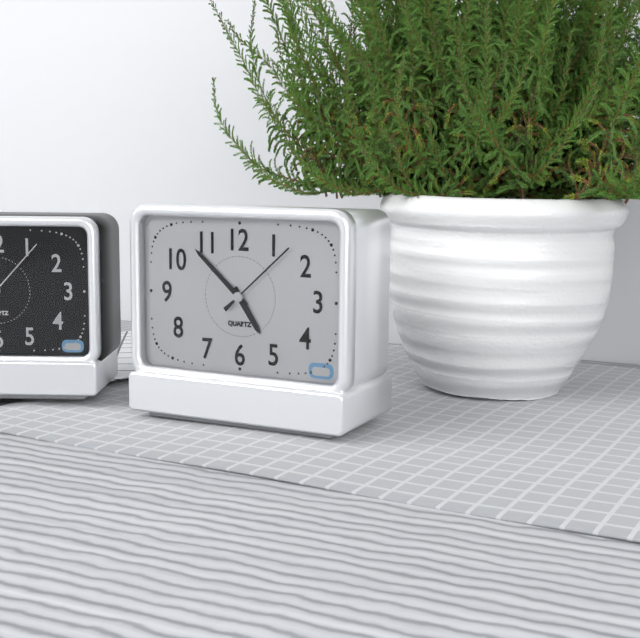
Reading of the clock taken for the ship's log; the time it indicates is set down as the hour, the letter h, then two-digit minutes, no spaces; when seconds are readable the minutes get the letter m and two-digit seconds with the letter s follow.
4h52m08s
